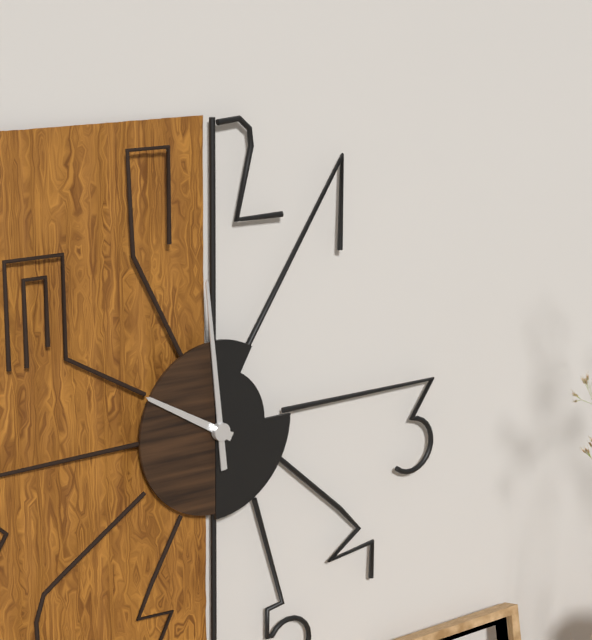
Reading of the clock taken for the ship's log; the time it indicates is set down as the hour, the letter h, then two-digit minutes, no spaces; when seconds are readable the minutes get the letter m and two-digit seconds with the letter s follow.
9h59
